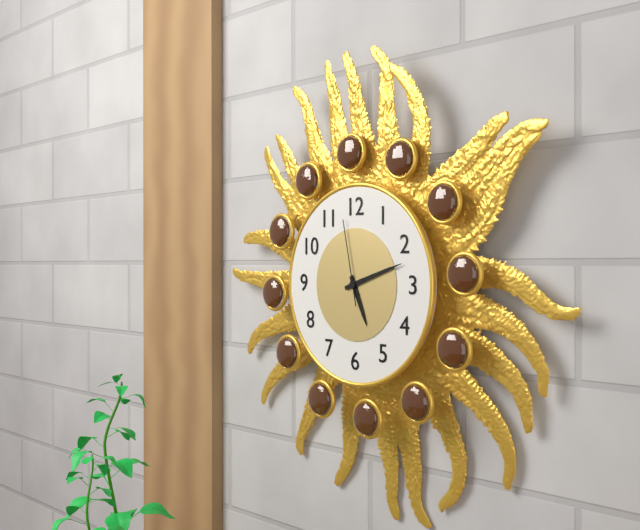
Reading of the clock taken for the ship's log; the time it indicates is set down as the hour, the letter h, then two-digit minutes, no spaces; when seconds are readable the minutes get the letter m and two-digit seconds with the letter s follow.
5h12m58s
